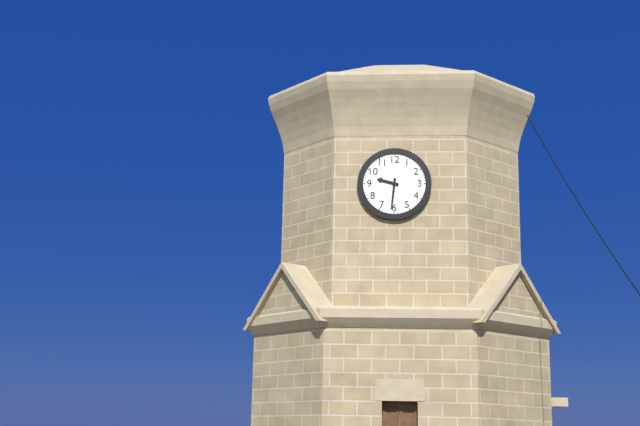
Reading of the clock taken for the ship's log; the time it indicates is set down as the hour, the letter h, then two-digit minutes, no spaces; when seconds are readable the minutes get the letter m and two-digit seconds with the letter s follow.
9h31
